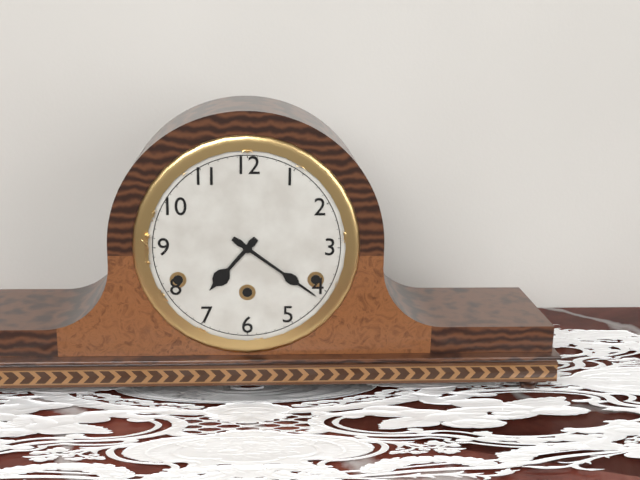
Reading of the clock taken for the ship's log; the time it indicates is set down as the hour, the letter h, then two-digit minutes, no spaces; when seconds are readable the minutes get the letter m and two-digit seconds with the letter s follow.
7h21
